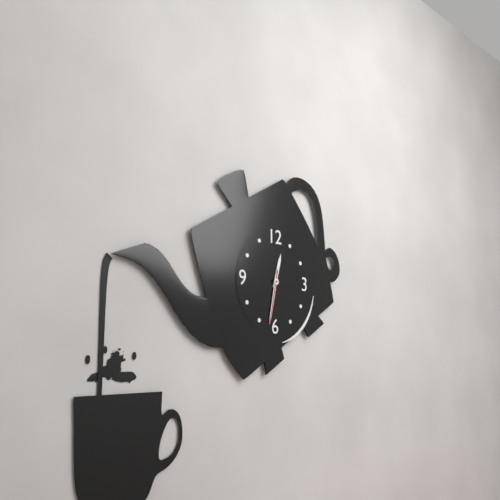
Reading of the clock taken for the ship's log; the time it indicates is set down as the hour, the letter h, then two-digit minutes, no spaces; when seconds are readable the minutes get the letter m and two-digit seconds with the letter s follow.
12h32m32s
